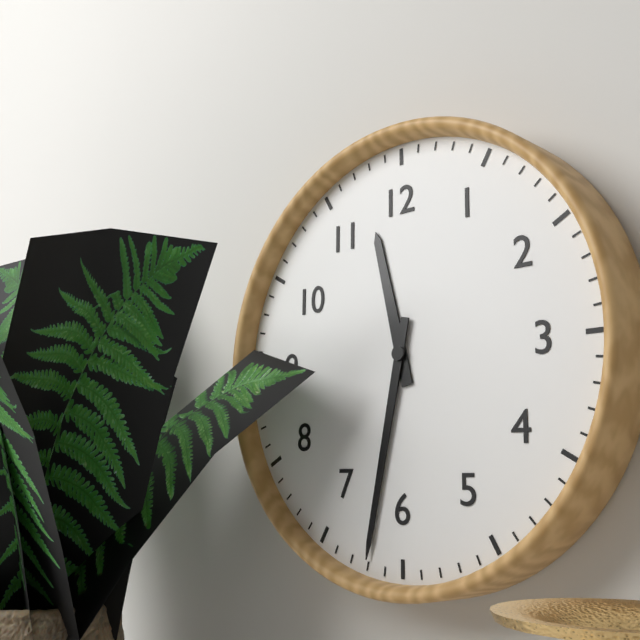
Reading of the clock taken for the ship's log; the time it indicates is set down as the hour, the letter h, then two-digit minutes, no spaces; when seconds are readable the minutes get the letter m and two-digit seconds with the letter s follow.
11h32
